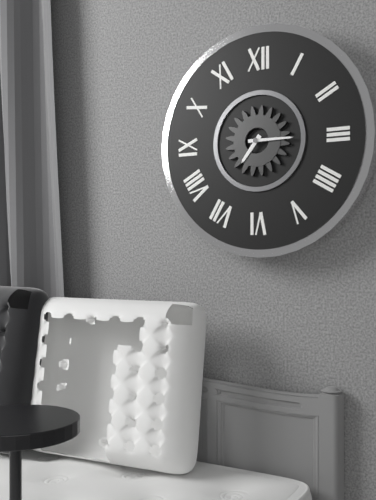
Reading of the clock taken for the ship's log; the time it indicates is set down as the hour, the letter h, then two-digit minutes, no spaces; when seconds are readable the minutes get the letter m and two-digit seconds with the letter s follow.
7h15
